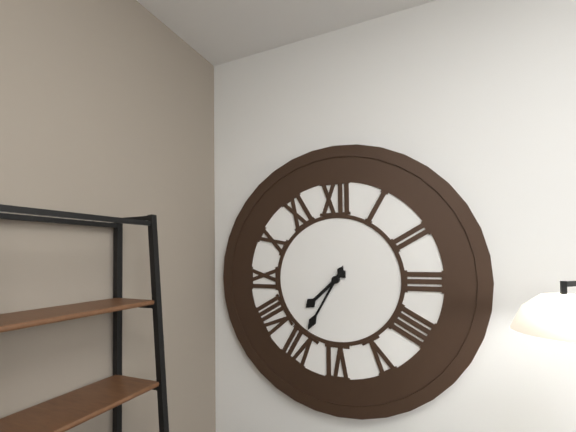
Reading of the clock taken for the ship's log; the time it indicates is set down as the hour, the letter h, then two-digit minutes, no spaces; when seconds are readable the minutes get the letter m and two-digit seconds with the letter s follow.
7h35
